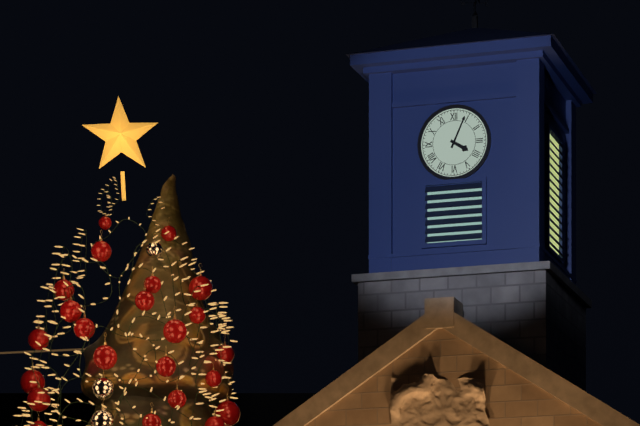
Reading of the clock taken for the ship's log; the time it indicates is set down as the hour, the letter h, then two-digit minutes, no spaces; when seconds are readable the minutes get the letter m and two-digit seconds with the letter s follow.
4h04
